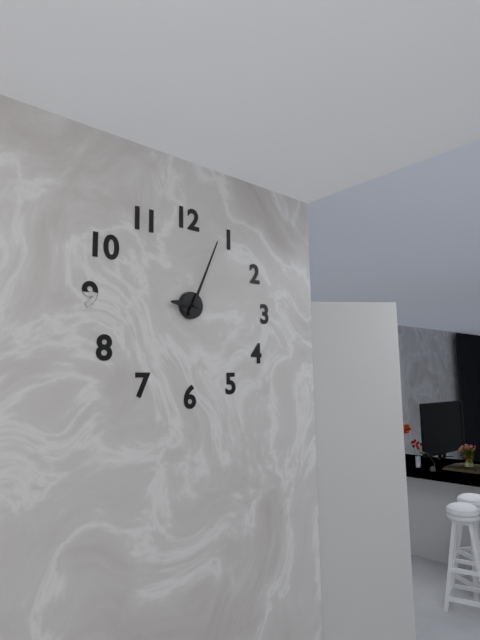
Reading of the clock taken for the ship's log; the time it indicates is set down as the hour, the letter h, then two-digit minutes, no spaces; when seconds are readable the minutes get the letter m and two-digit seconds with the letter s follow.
9h04
